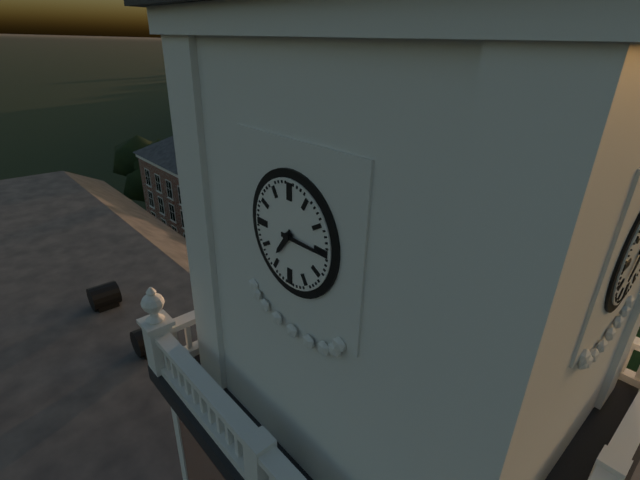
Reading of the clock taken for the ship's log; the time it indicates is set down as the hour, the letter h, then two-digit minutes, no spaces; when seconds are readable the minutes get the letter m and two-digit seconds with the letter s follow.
7h15
